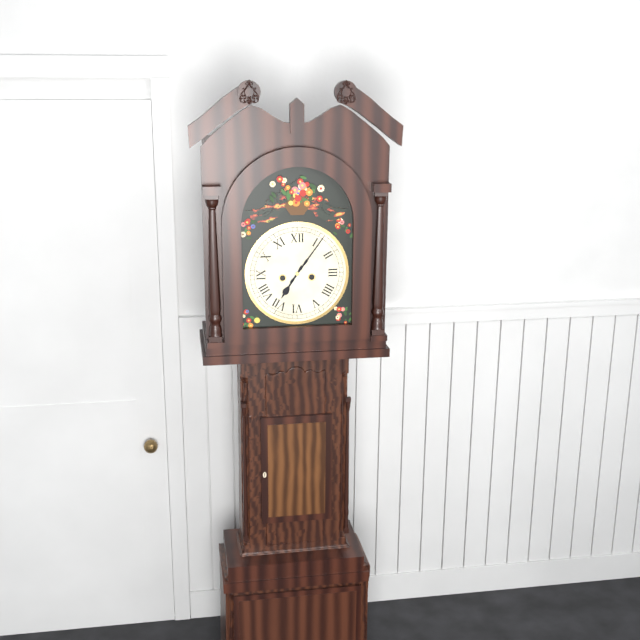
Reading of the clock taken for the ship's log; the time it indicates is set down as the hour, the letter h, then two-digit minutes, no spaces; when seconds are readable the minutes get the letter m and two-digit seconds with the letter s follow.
7h06
